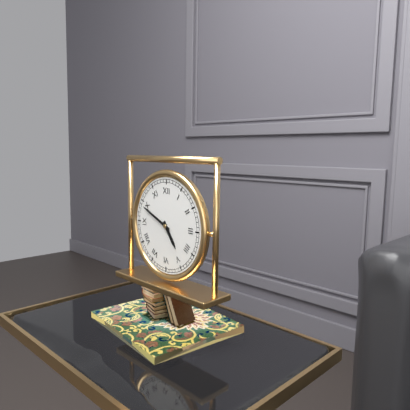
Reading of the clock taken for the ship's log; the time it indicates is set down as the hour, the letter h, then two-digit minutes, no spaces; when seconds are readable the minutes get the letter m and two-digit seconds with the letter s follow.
4h49
